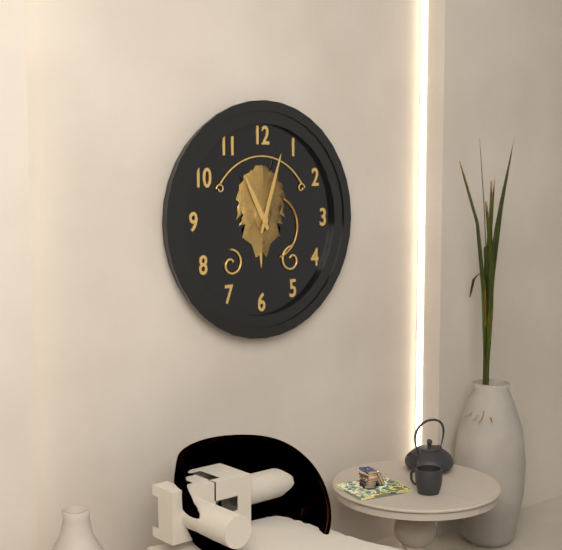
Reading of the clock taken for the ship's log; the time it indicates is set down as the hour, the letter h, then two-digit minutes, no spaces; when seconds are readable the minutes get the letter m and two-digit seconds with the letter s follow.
11h03
